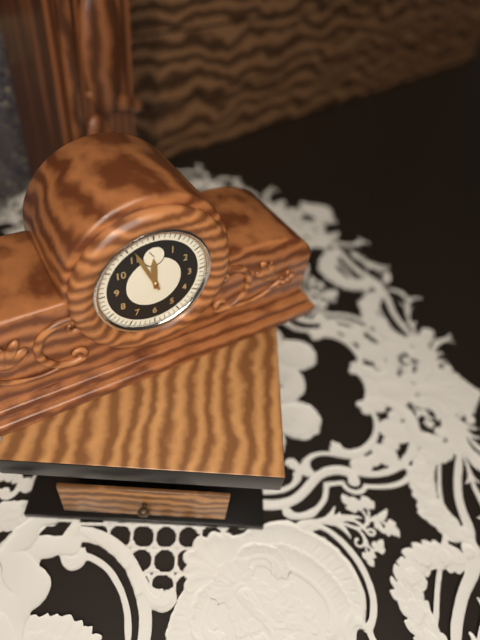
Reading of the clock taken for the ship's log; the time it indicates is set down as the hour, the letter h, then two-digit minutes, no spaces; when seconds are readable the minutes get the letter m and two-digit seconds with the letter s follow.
11h56
